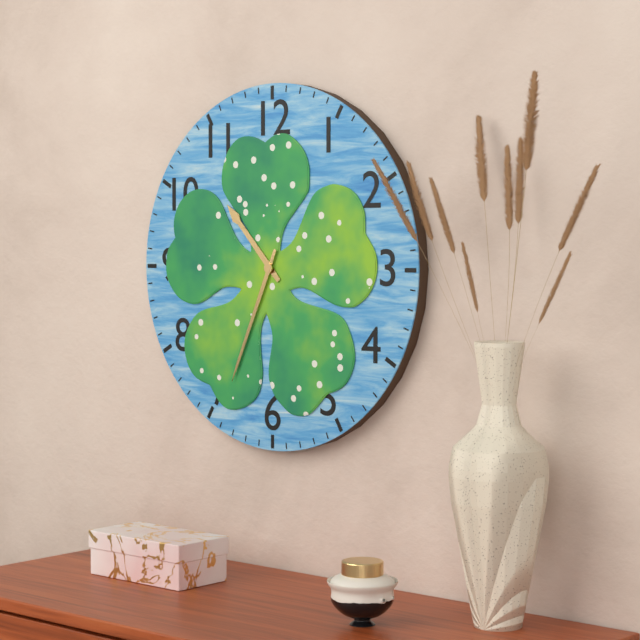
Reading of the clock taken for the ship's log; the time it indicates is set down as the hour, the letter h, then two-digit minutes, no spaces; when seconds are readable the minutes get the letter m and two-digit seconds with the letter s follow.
10h34
